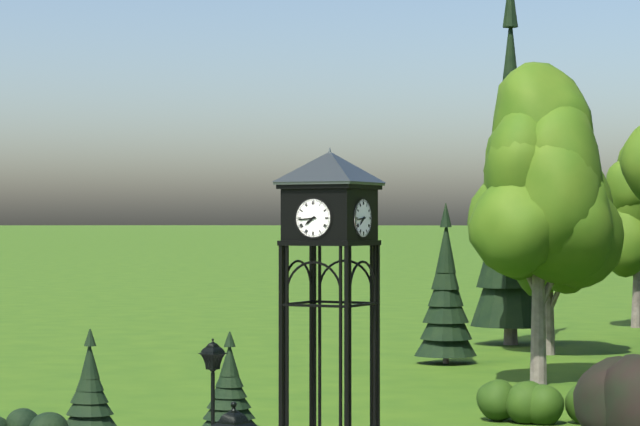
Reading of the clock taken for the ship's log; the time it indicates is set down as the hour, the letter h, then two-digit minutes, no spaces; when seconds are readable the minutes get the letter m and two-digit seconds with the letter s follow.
7h44
